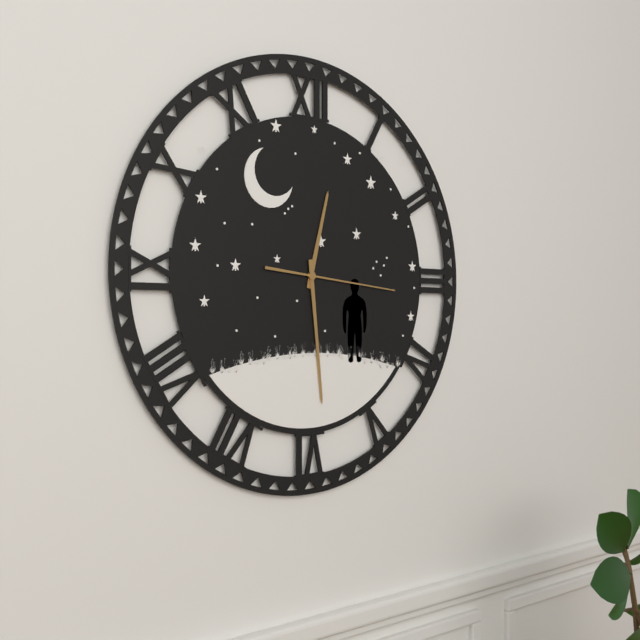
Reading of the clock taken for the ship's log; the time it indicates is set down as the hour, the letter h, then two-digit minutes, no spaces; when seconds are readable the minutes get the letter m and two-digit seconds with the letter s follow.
12h29m16s
